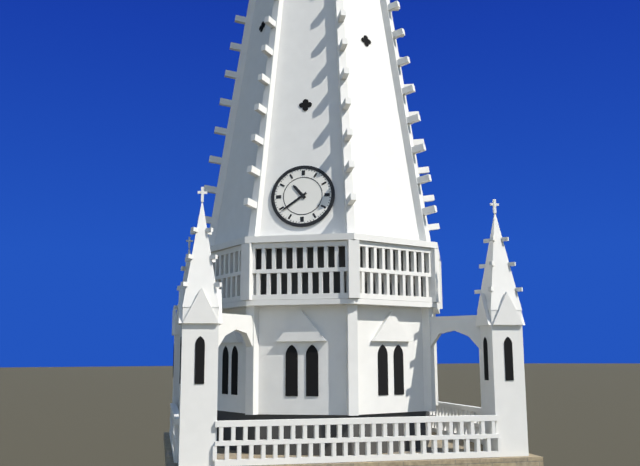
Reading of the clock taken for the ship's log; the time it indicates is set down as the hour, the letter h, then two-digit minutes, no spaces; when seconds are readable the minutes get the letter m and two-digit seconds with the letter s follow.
10h39
